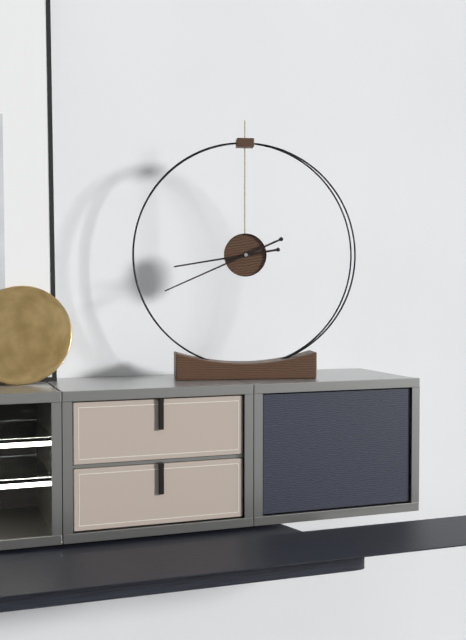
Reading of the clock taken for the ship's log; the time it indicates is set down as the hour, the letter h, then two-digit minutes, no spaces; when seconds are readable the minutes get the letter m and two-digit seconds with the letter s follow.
8h41
